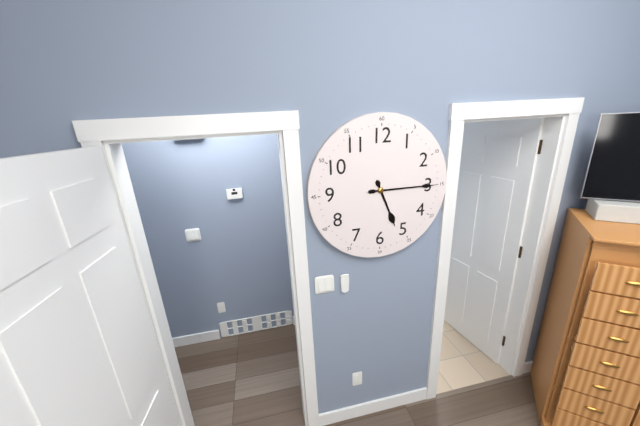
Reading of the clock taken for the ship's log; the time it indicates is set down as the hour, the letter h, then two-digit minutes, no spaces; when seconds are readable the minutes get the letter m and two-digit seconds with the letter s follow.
5h15
